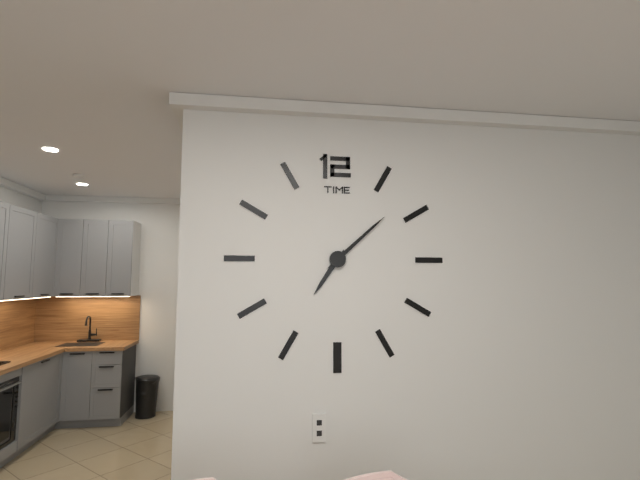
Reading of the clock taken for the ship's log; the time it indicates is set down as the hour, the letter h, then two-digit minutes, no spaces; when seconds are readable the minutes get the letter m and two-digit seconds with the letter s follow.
7h08
